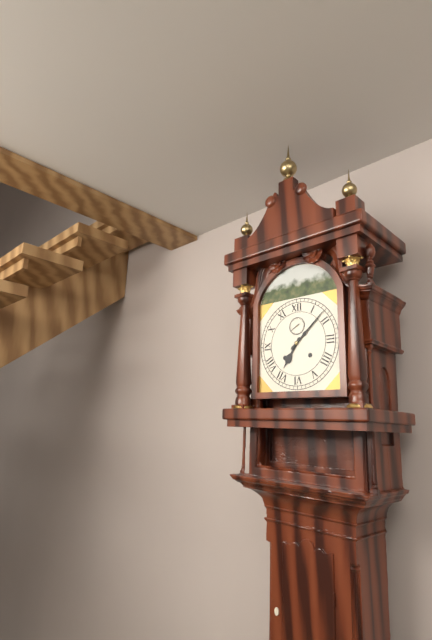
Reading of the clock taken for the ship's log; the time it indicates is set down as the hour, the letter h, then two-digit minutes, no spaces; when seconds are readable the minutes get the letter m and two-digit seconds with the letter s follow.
7h08
